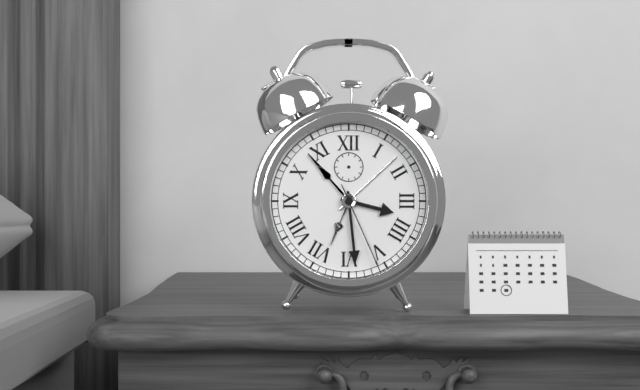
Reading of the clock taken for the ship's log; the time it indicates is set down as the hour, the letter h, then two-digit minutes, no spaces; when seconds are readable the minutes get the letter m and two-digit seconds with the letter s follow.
3h29m26s
